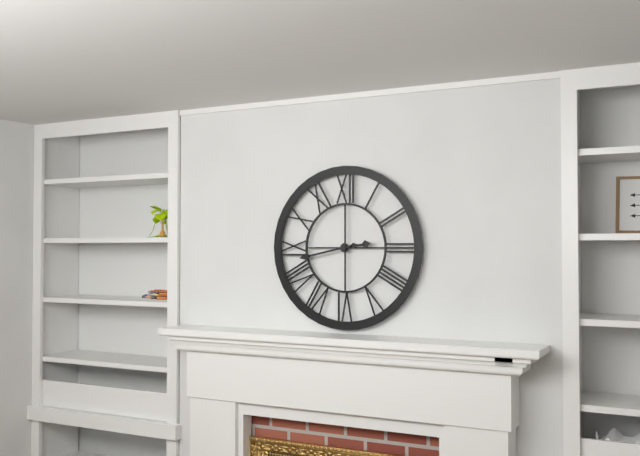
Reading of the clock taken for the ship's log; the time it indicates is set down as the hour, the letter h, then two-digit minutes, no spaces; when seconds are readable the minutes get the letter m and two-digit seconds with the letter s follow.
2h43
